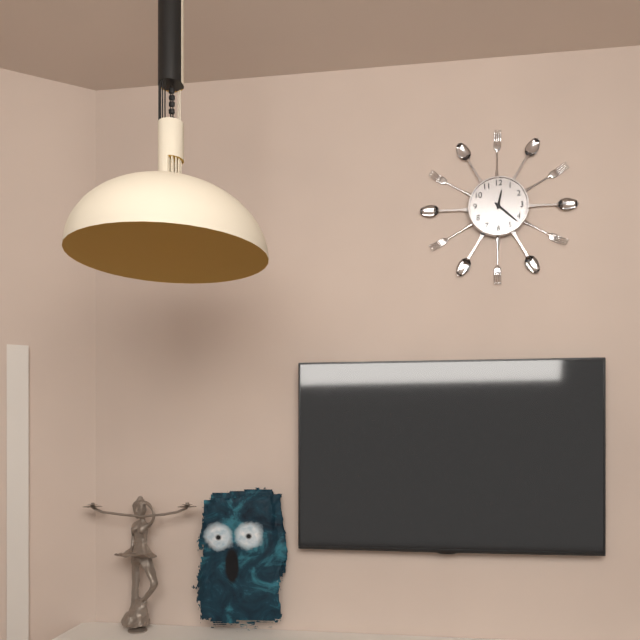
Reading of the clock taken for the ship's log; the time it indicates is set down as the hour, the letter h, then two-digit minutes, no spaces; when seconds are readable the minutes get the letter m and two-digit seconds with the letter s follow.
12h22
